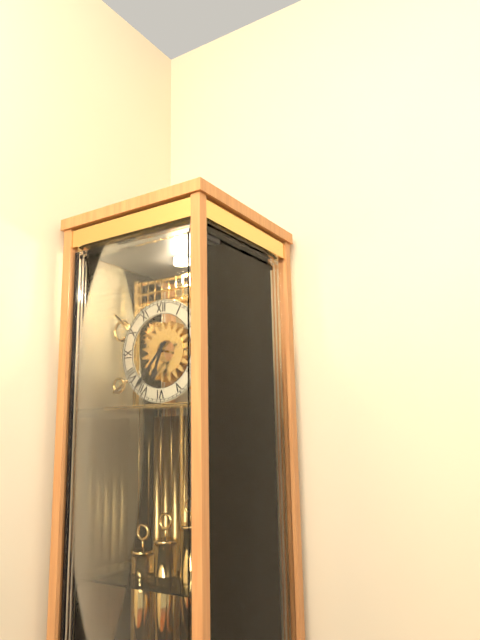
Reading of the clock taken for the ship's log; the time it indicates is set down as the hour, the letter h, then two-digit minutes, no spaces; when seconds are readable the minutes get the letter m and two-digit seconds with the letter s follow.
6h37
